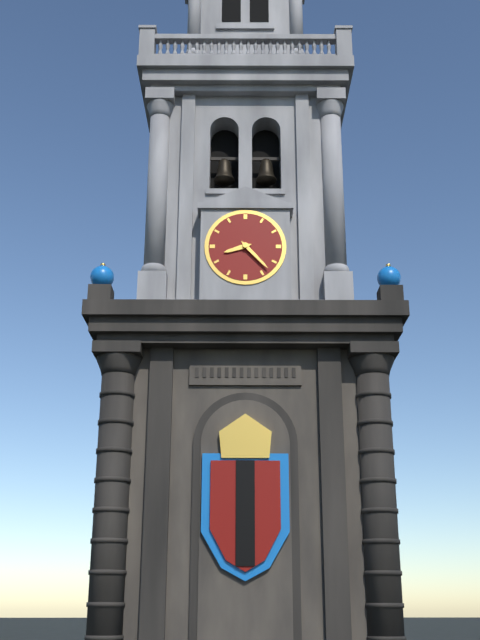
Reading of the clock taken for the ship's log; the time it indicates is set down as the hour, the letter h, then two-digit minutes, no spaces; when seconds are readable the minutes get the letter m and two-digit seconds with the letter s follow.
8h23
